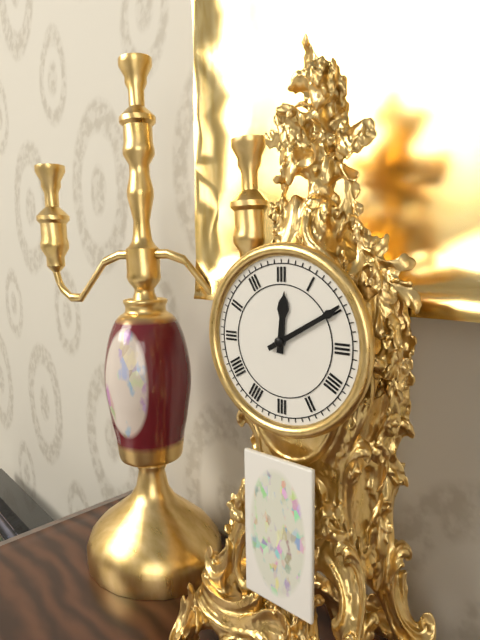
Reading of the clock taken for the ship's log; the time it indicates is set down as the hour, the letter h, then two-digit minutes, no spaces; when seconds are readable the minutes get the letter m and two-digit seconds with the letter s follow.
12h10
